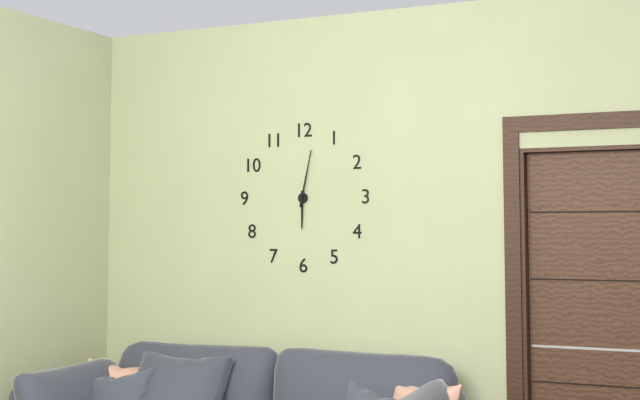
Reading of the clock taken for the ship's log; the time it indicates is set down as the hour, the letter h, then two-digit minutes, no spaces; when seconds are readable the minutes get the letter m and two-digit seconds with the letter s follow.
6h02
